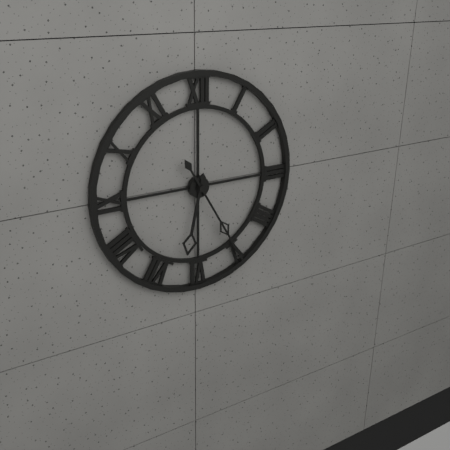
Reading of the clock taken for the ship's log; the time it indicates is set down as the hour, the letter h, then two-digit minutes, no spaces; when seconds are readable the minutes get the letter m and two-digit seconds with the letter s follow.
6h25
